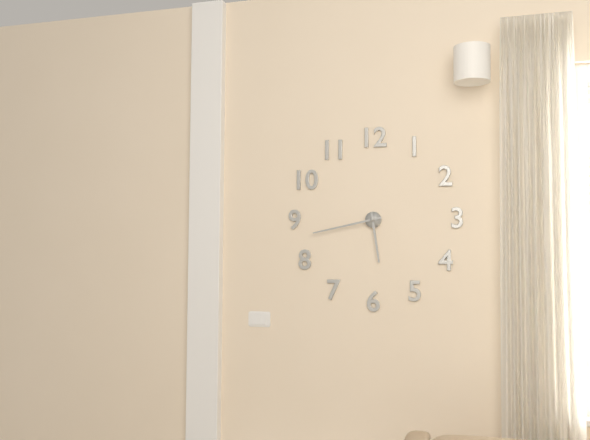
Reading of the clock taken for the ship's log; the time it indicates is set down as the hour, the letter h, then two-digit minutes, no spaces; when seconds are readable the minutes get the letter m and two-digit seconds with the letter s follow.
5h43
